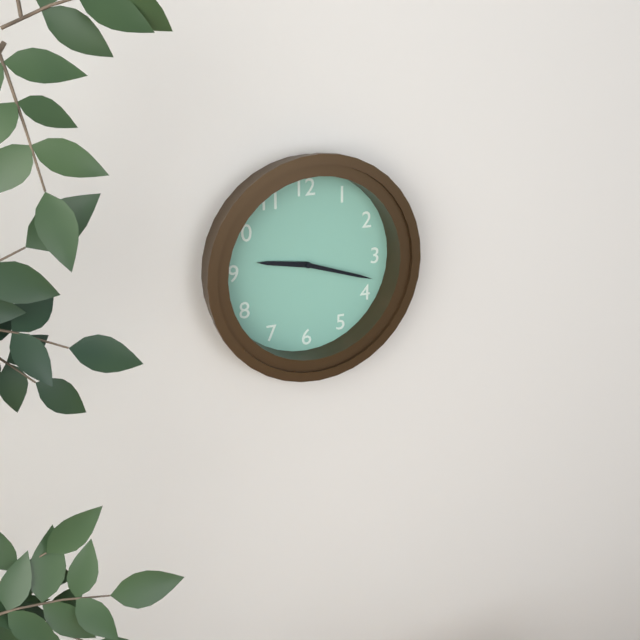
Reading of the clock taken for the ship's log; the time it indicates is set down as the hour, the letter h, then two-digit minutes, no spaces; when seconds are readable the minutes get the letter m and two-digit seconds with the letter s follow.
9h18
